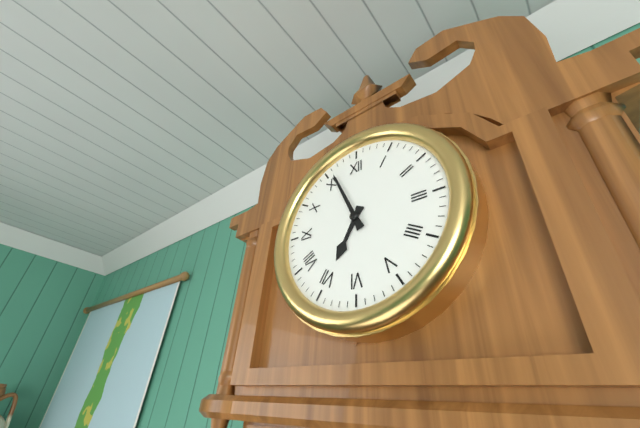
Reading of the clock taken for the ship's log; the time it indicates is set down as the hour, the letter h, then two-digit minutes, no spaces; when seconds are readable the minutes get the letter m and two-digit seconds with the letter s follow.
6h56
